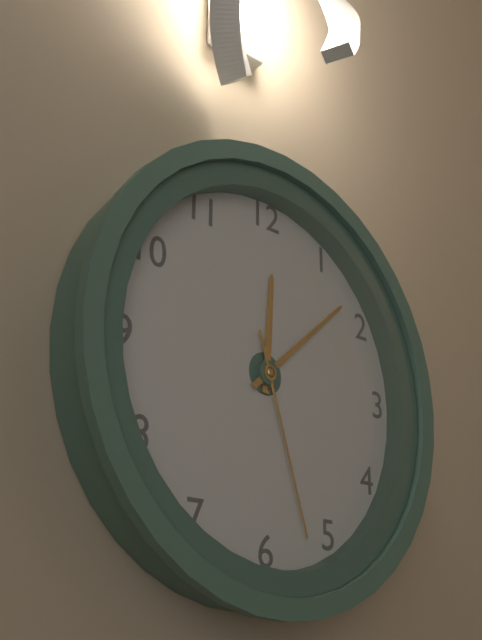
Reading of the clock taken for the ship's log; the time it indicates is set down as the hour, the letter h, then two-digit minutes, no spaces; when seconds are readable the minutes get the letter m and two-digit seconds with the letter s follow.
12h08m27s
